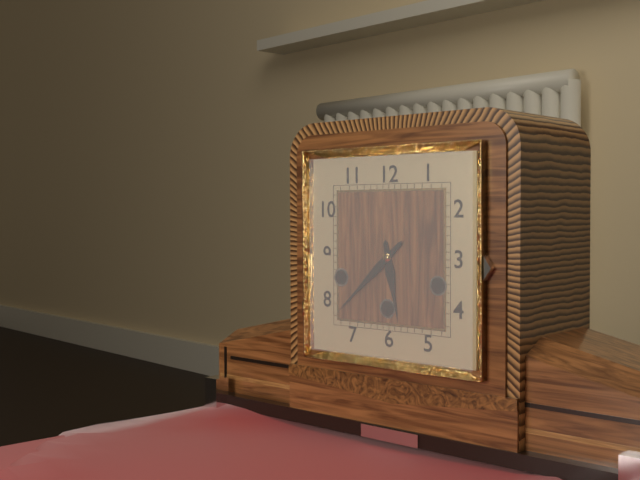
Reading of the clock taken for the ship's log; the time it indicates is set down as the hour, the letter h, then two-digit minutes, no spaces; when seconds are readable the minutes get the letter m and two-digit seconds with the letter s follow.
5h38
